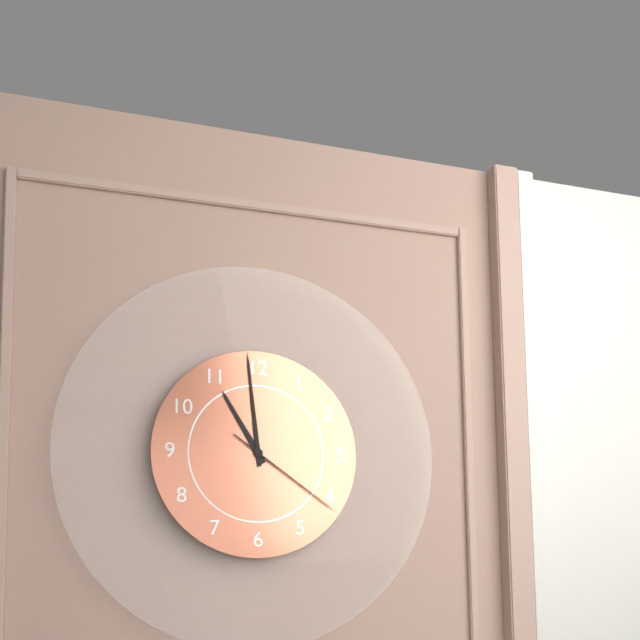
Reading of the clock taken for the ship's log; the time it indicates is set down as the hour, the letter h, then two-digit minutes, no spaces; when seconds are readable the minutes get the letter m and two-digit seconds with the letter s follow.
10h59m21s
